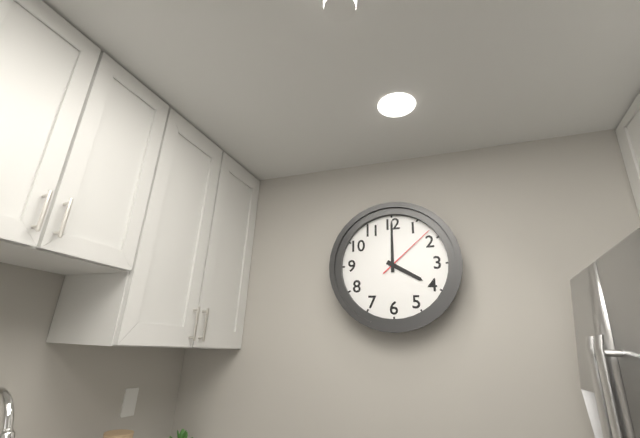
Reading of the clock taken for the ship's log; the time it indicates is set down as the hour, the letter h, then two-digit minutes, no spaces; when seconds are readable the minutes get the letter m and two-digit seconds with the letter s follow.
4h00m08s
